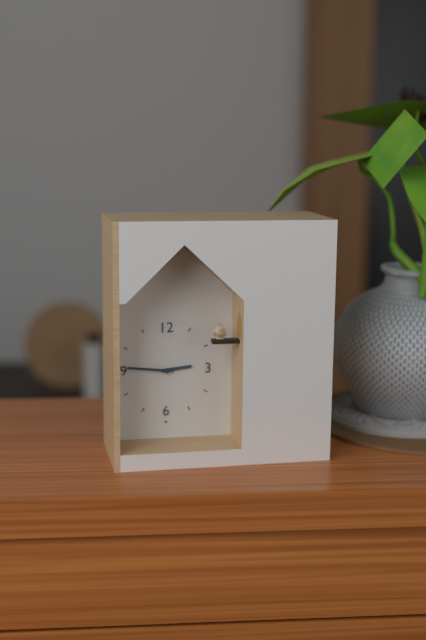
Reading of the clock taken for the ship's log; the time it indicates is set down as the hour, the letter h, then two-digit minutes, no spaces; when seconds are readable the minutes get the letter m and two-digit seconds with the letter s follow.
2h46
